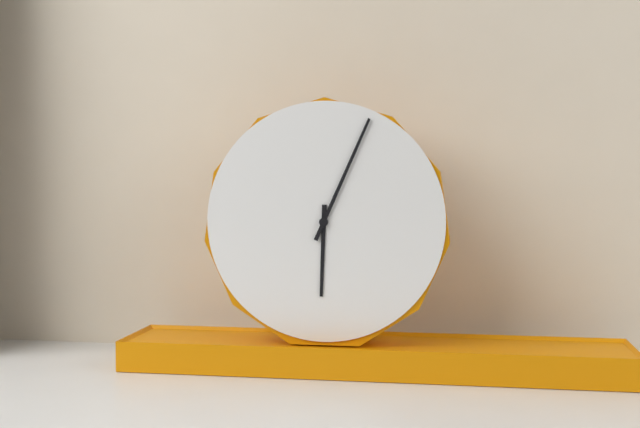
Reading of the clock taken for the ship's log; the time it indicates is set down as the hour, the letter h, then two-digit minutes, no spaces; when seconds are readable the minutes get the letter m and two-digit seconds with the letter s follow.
6h04
